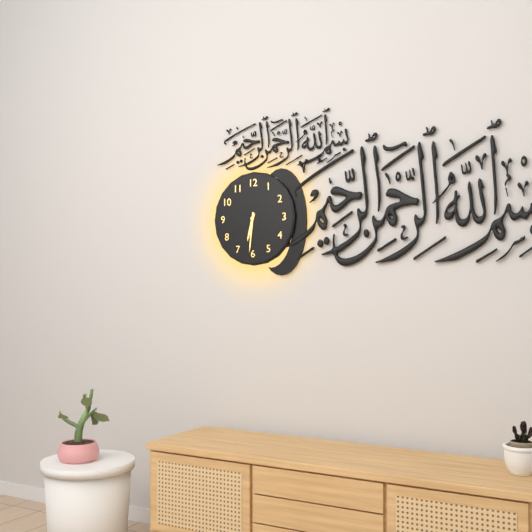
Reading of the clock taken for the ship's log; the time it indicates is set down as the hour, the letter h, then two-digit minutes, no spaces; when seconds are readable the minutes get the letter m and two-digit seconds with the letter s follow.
6h31
